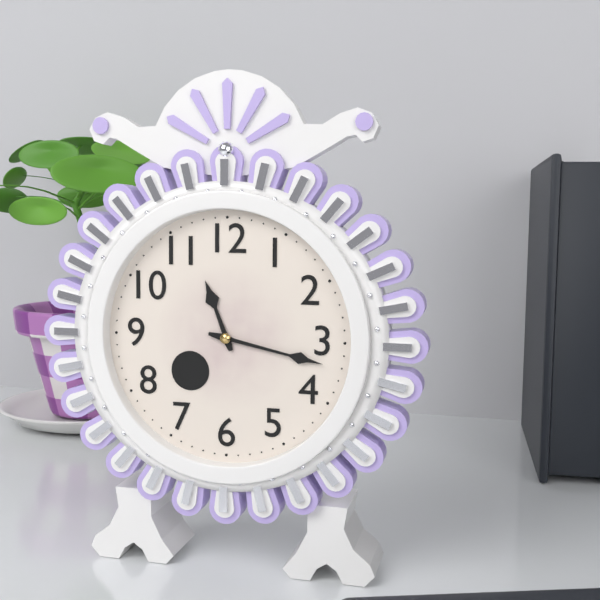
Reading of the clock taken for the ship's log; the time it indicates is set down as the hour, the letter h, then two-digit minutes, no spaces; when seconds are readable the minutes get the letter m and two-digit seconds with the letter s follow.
11h17
